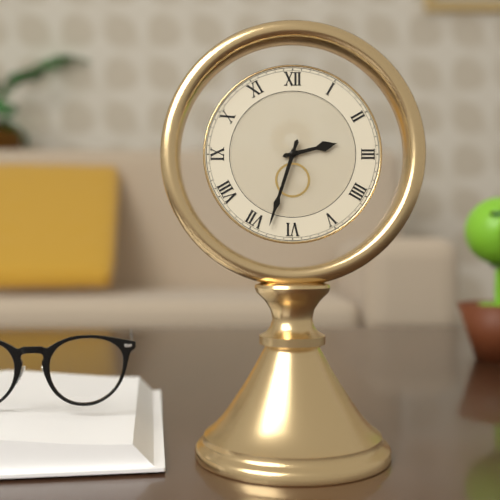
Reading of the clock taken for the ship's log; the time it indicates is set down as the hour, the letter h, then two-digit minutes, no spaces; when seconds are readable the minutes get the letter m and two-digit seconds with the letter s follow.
2h33
